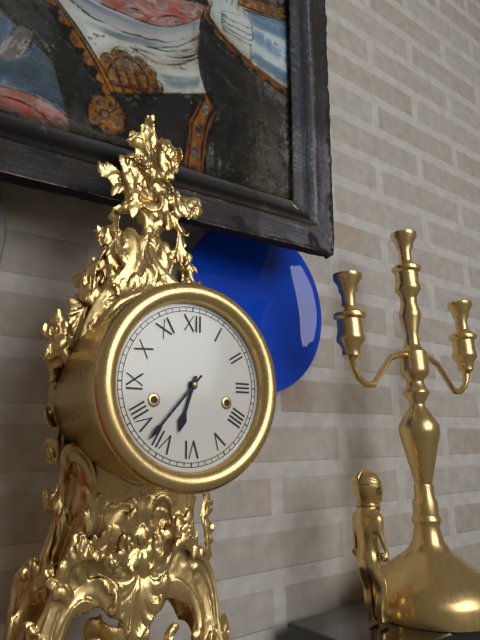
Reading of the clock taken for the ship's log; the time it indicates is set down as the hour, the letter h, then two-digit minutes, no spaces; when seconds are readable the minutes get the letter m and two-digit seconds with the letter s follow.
6h37
